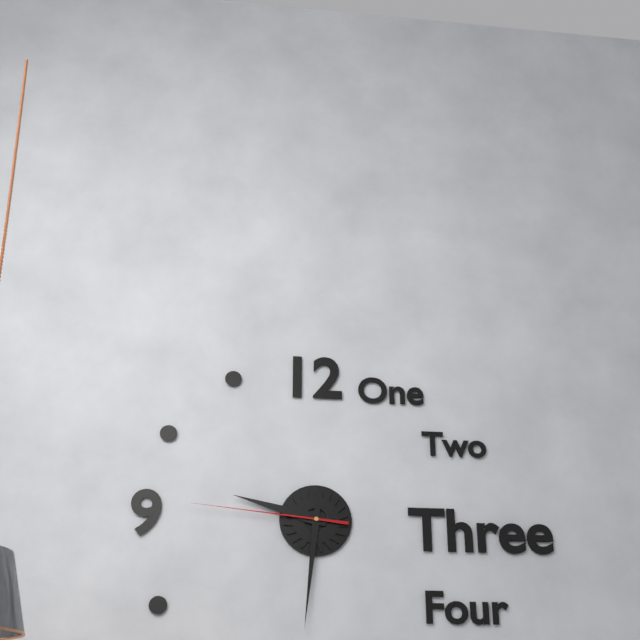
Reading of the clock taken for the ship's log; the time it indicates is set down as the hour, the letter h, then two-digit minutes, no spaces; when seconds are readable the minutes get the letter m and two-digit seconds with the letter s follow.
9h31m46s
